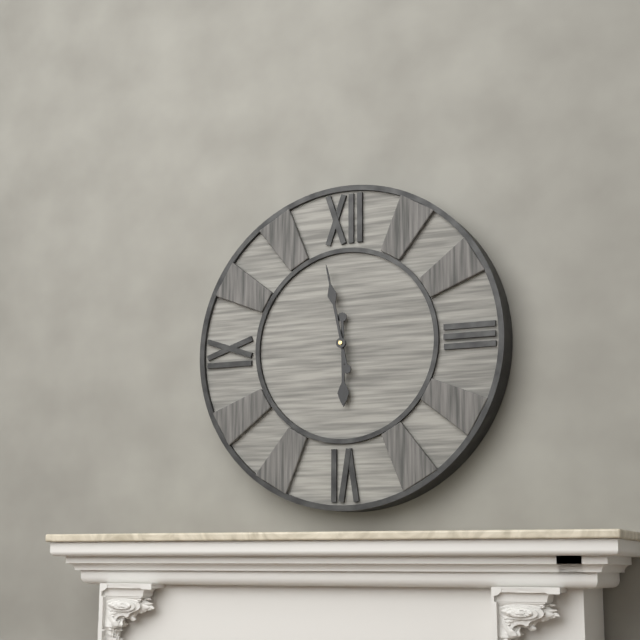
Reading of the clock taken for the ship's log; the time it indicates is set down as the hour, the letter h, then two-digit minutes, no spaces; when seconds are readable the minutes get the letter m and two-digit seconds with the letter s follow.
5h58
